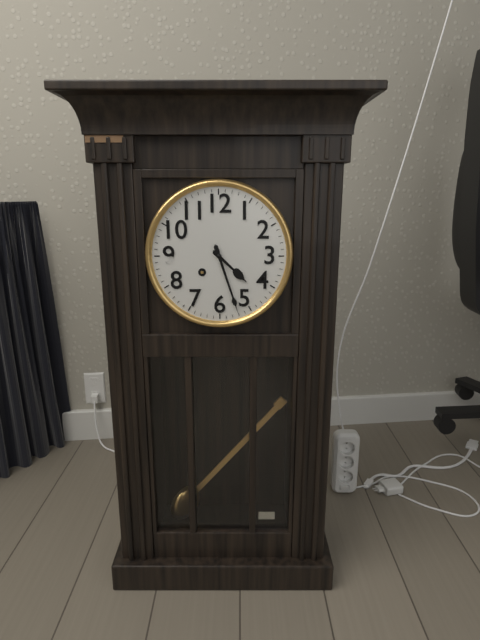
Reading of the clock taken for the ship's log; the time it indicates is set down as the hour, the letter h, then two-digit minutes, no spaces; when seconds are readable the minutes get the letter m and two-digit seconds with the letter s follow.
4h27
